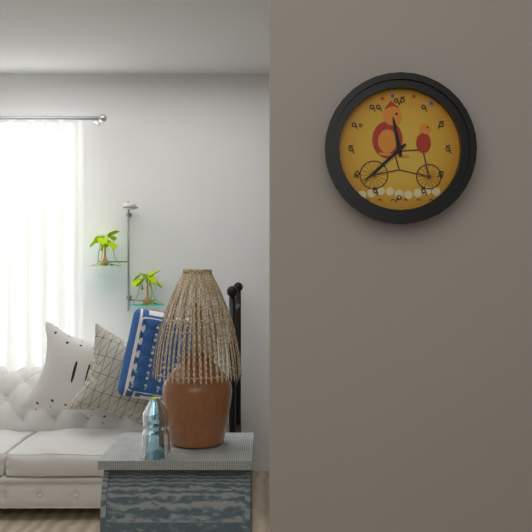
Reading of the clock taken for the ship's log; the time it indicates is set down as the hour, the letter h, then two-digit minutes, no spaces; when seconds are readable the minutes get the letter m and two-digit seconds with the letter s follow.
11h38
